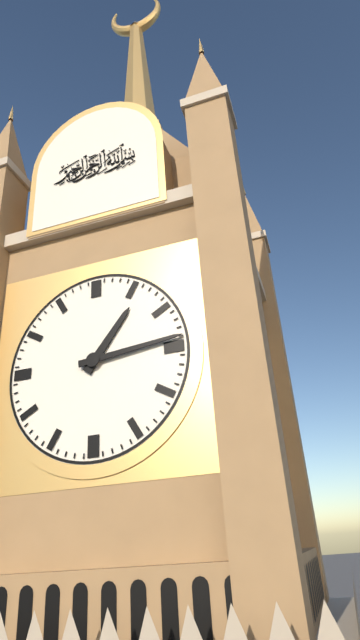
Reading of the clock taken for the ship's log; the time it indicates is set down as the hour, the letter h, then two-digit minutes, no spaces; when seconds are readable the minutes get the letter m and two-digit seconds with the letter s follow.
1h14
